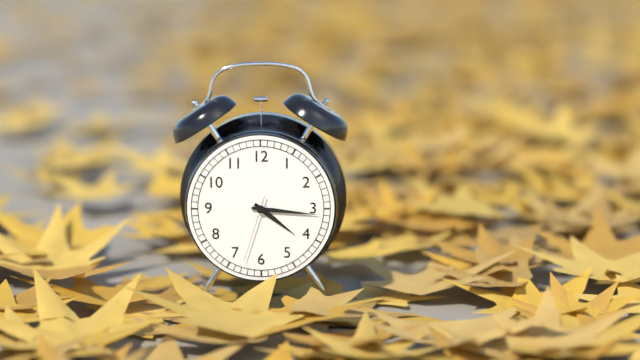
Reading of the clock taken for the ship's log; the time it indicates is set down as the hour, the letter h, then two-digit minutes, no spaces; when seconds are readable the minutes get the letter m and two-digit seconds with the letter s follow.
4h16m33s
